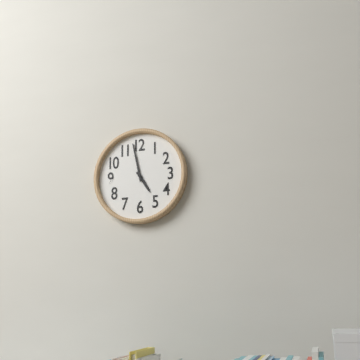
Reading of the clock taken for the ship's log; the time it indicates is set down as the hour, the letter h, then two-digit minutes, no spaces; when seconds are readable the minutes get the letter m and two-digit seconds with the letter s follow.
4h58
